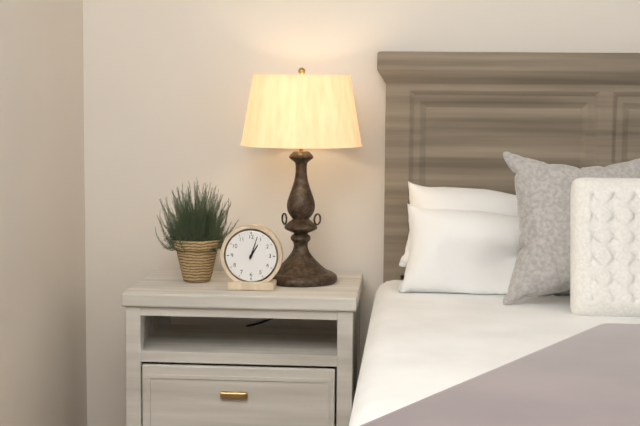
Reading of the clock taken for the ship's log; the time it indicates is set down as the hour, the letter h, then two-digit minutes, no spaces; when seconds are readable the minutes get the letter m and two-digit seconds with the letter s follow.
1h03
